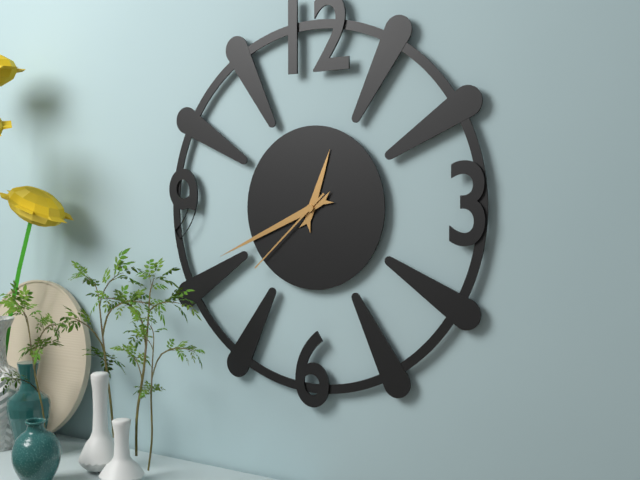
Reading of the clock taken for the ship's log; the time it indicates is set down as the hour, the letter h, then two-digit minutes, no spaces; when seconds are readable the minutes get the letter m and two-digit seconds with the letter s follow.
12h41m38s
